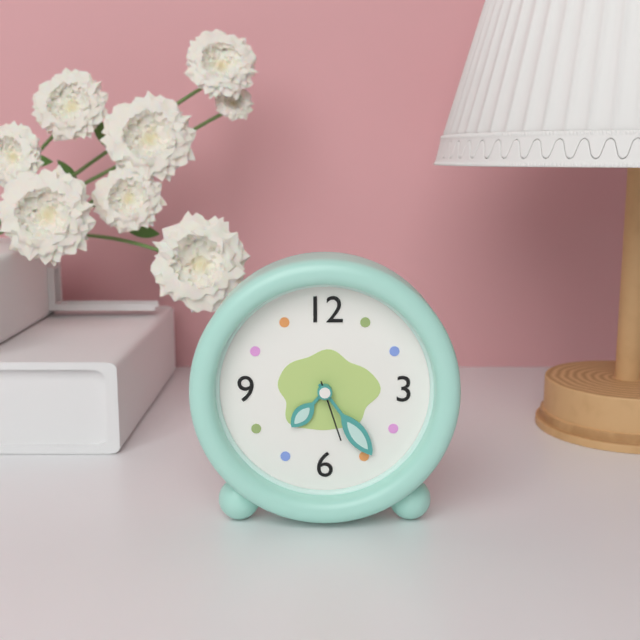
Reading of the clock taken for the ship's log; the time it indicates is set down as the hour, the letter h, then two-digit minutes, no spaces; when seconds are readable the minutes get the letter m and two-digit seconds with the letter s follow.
7h24m27s
